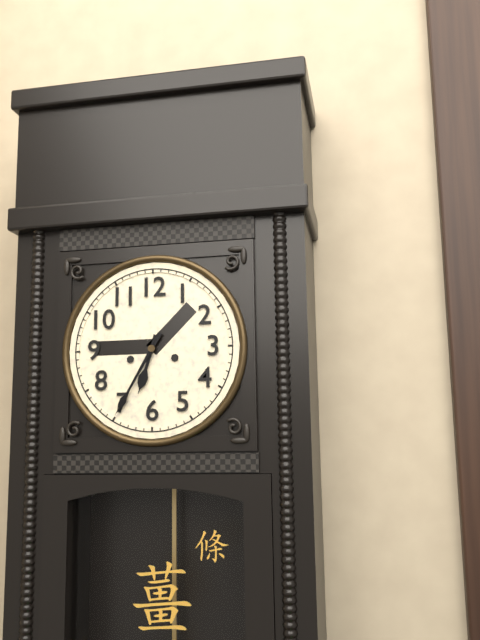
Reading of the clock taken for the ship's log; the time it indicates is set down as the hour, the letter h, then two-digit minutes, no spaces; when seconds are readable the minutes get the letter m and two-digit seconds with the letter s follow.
6h35
